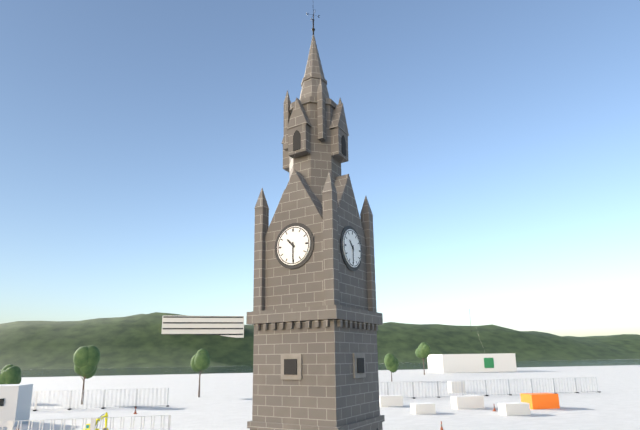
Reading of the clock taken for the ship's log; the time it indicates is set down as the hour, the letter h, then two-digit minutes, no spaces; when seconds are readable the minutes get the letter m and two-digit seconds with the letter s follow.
10h30
